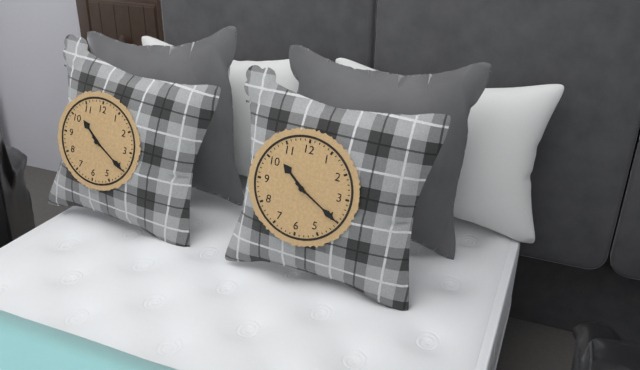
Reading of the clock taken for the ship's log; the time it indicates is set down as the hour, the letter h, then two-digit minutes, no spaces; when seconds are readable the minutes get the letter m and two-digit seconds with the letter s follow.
10h20
